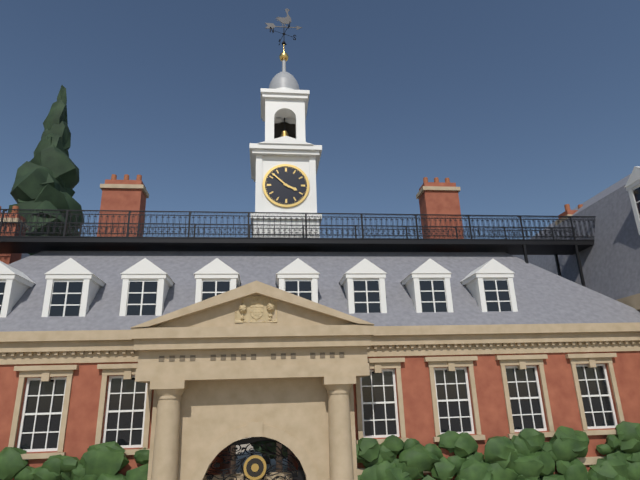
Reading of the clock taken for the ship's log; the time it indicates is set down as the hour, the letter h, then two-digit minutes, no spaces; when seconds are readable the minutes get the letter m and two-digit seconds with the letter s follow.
3h52
